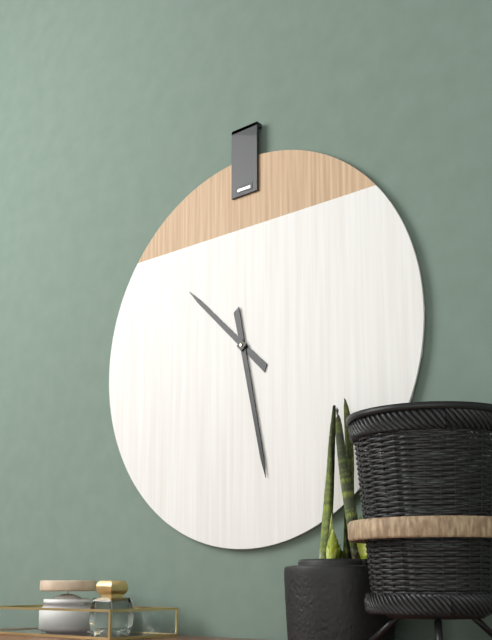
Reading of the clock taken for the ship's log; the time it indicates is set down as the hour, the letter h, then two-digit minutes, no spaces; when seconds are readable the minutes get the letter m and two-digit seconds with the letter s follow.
10h28
